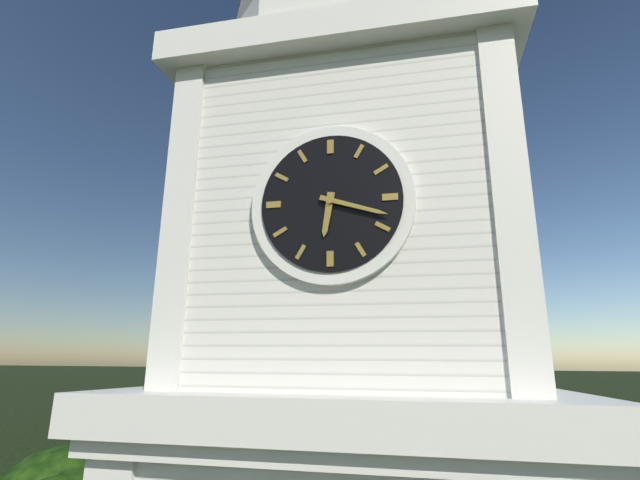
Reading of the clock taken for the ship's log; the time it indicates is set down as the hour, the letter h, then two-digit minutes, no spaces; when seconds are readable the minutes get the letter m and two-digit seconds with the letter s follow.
6h18
